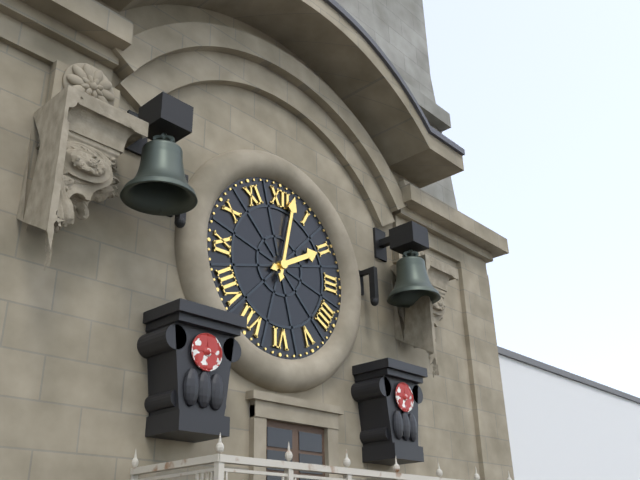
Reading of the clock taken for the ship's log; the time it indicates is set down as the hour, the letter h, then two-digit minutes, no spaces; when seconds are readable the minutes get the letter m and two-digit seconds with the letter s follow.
2h02
